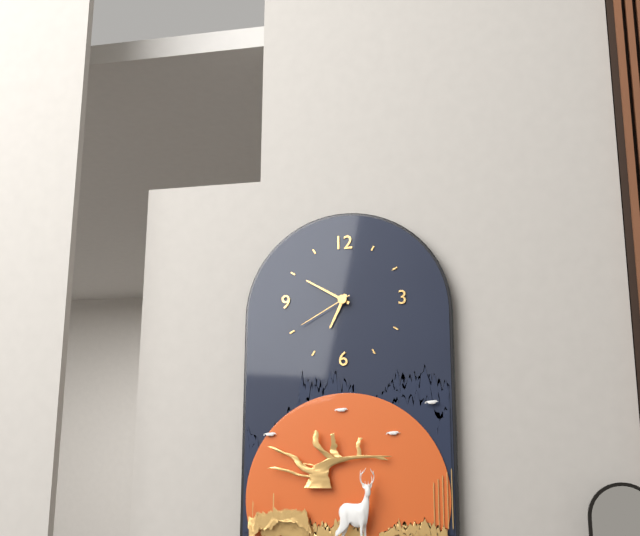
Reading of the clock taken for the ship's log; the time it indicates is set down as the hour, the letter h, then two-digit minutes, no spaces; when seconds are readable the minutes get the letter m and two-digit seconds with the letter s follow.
6h50m40s
